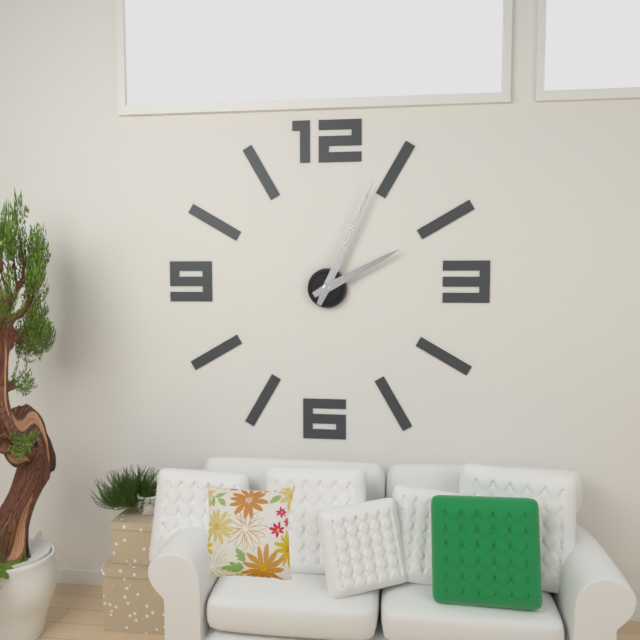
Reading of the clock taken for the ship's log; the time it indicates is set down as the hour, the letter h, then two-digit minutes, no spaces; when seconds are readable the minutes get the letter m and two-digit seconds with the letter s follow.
2h04
